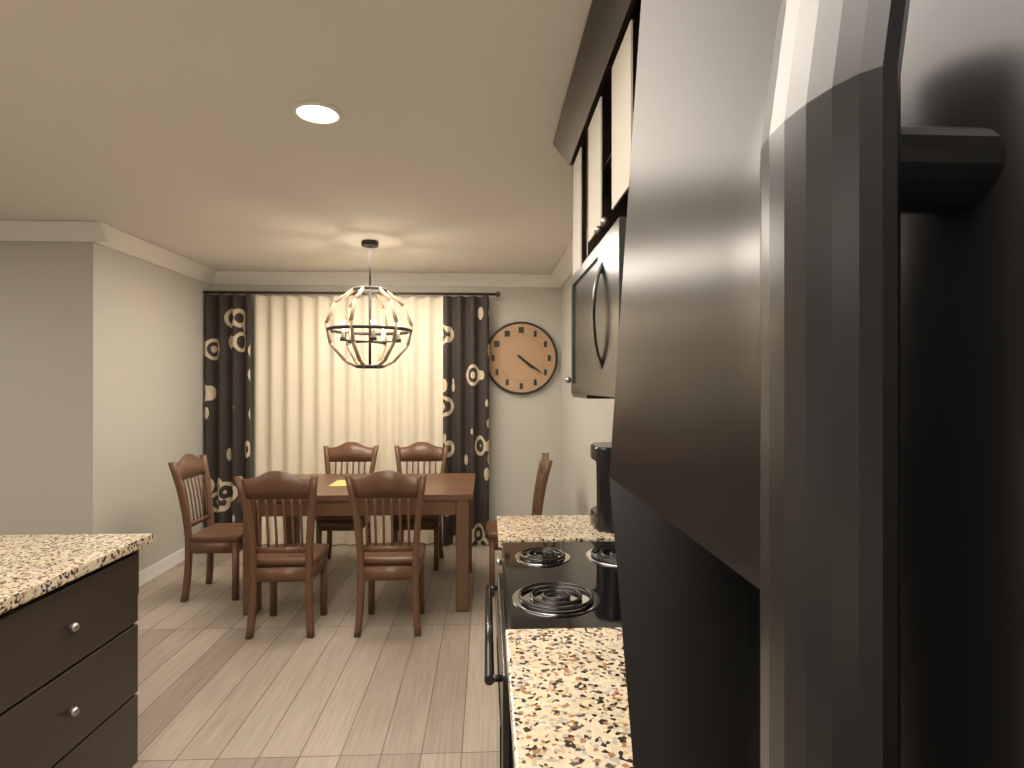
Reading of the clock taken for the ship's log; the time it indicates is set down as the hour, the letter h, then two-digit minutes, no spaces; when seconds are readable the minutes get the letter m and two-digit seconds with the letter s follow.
4h21
